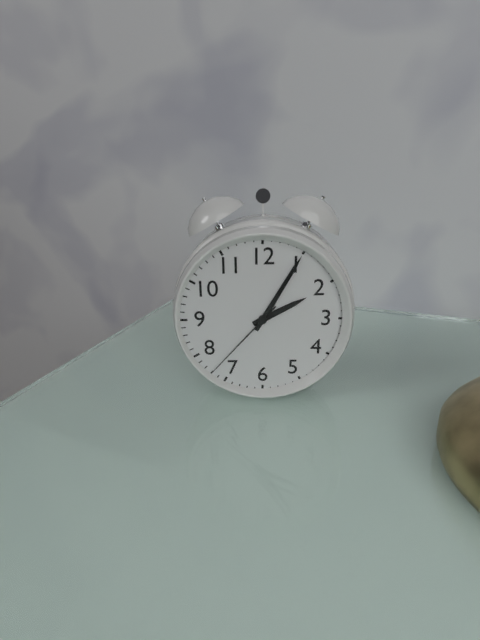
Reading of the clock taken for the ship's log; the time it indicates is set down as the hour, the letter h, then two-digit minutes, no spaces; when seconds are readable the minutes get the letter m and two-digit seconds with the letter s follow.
2h05m37s
